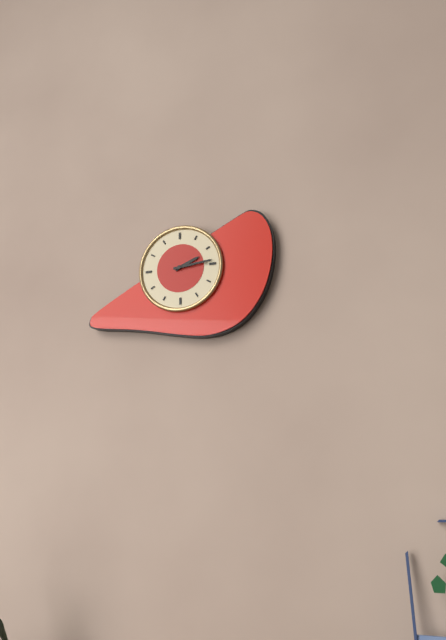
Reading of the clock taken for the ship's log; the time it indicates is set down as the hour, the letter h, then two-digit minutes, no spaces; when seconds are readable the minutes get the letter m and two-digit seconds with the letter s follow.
2h14
